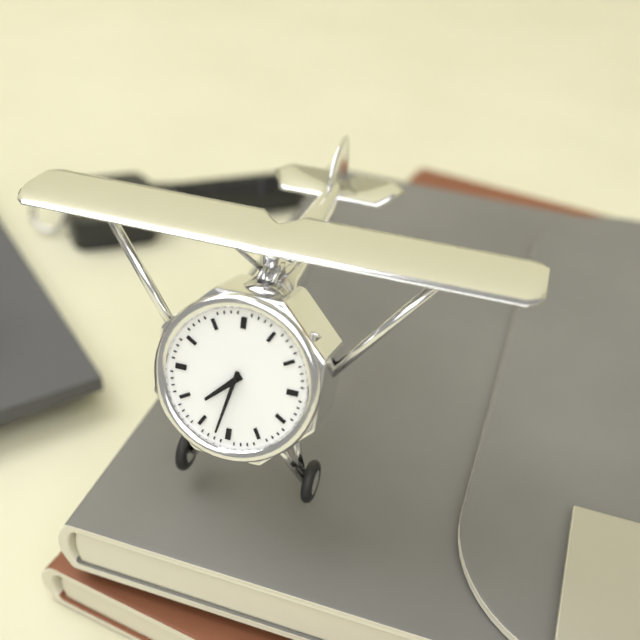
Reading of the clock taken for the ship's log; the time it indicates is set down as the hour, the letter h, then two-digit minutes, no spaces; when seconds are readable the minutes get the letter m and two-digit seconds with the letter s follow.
7h32
